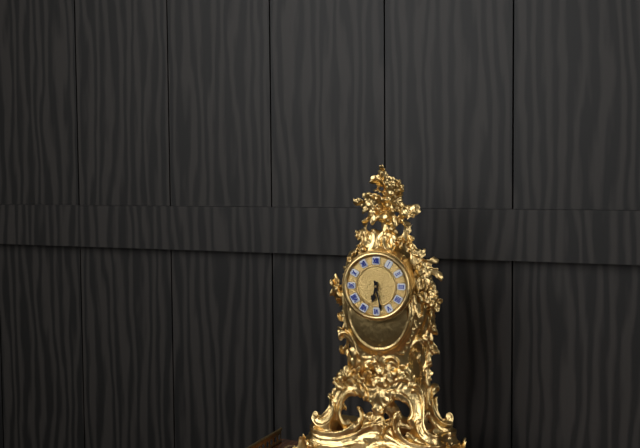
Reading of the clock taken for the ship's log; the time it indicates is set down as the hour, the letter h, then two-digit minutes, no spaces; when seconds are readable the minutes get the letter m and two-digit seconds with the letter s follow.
6h28
